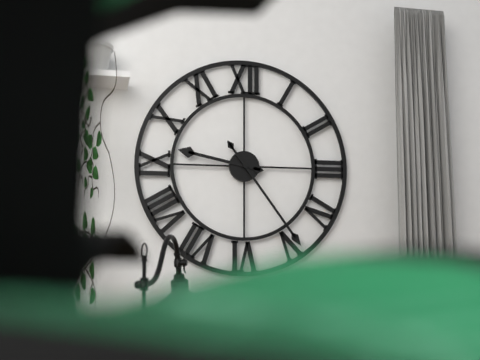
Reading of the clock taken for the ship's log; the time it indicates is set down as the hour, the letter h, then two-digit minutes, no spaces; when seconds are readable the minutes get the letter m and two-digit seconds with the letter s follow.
9h24
